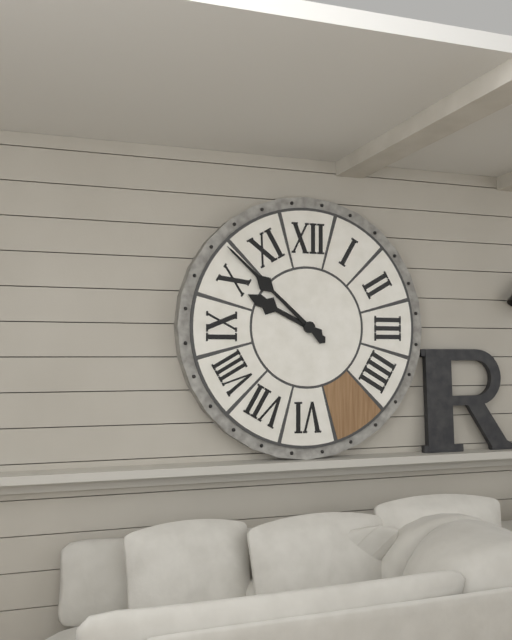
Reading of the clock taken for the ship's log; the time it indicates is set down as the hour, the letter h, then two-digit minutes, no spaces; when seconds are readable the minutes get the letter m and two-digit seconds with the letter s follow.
9h52
